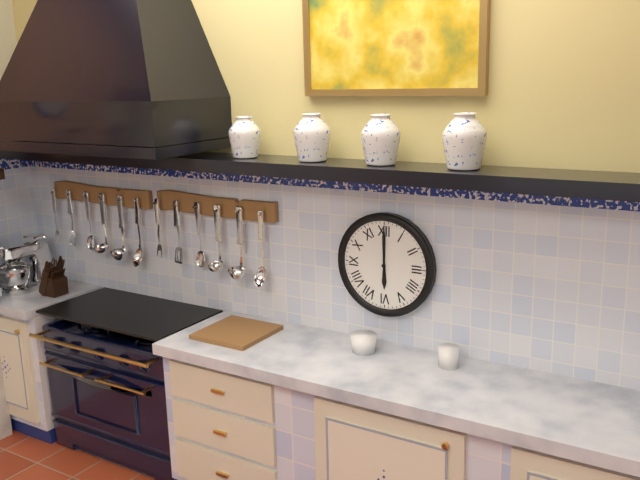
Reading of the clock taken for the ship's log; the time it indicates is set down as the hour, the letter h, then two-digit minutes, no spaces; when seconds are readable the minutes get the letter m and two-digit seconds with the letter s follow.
6h00
